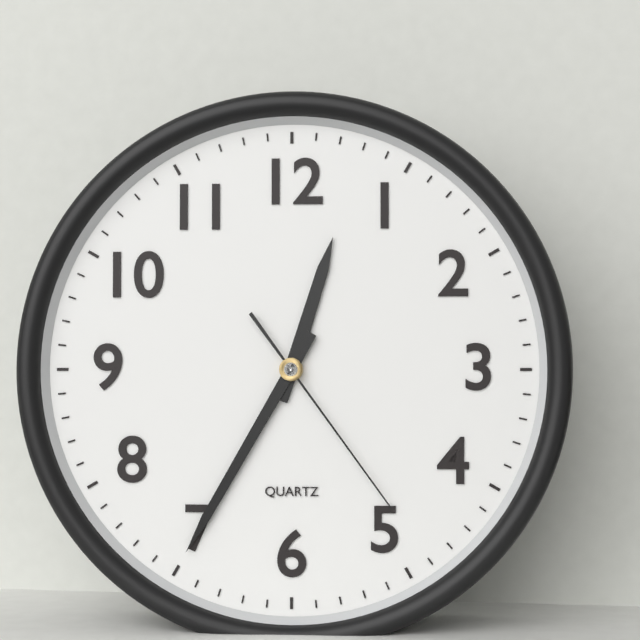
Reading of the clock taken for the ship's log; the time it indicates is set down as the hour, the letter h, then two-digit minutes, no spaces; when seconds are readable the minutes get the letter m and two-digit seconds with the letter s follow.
12h35m24s
